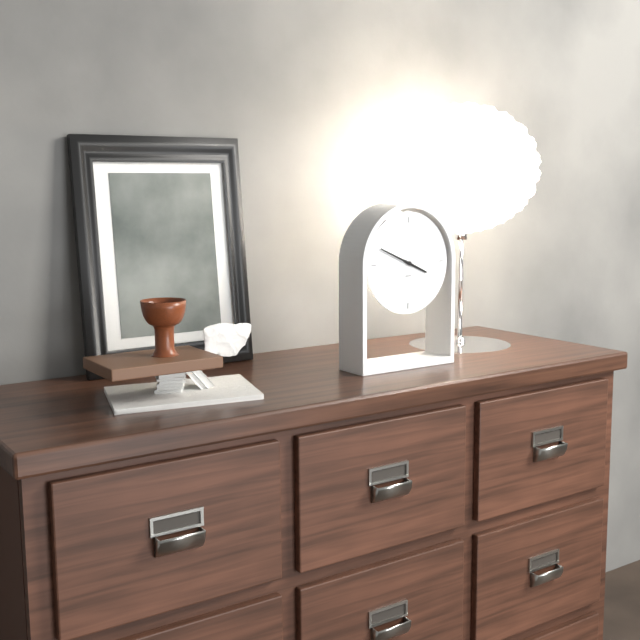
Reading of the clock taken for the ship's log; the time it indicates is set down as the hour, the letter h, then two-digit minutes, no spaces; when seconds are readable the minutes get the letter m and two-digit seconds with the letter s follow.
3h49
